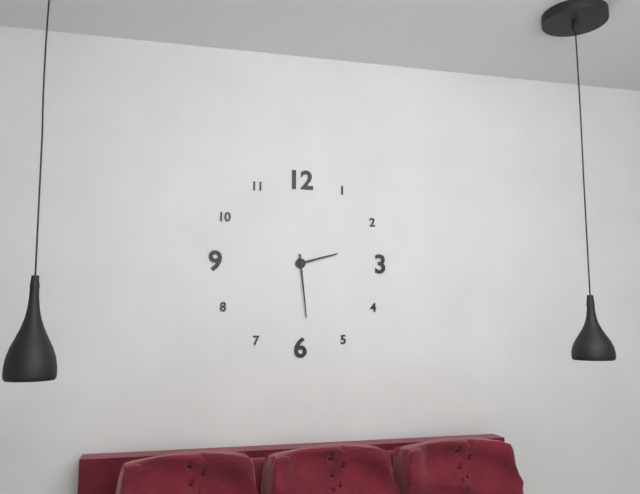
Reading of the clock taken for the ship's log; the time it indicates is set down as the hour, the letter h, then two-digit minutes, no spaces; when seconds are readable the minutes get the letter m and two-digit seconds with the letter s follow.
2h29
